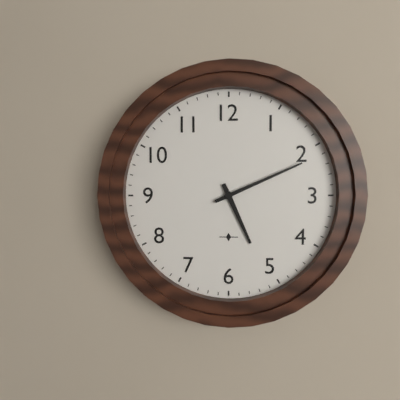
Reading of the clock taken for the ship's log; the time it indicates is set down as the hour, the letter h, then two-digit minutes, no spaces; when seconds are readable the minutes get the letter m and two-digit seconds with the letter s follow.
5h11
